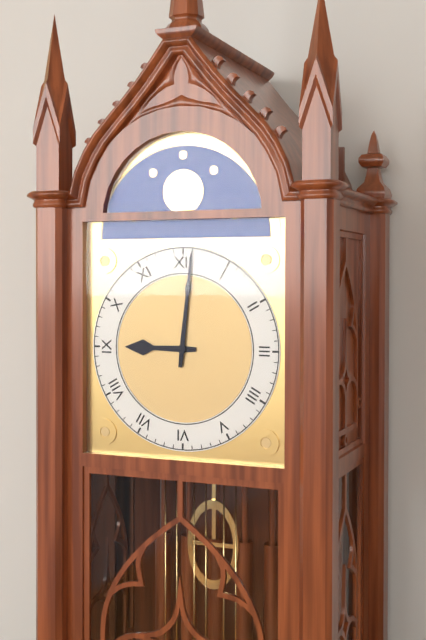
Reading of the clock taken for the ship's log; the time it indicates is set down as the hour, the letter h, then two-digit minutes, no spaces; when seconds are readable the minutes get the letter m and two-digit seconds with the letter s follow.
9h01
